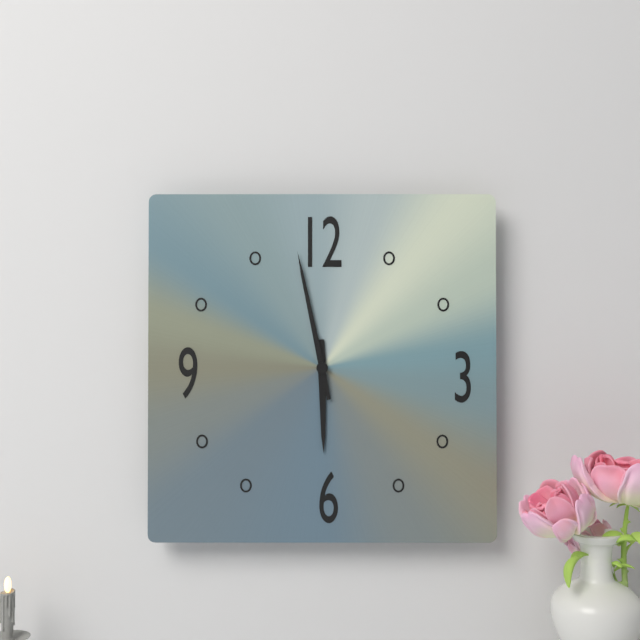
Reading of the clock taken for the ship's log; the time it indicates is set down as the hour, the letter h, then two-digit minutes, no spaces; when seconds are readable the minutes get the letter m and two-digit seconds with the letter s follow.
5h58
